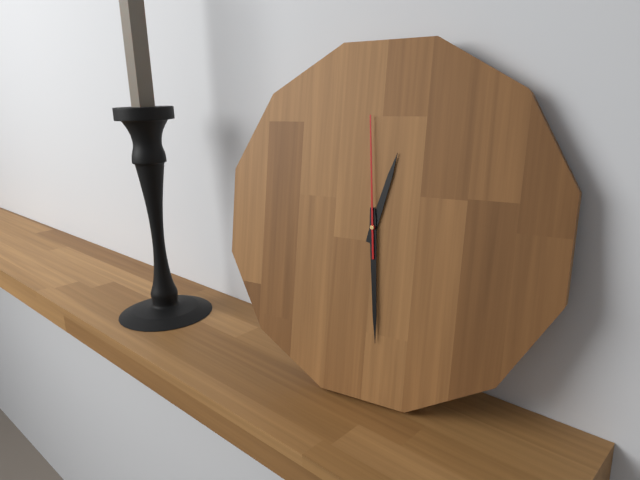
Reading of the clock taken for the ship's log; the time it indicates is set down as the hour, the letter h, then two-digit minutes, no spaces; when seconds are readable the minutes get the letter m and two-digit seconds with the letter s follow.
12h29m59s
